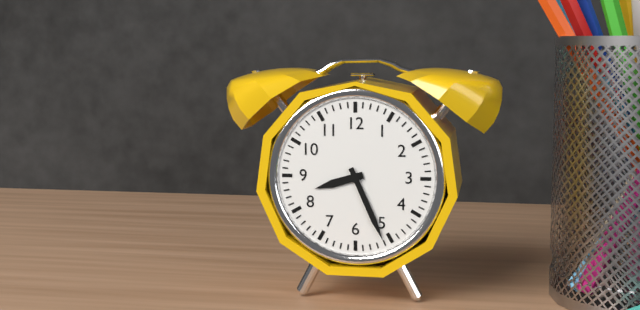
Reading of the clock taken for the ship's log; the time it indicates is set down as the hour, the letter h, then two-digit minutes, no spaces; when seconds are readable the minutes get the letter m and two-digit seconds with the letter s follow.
8h26
